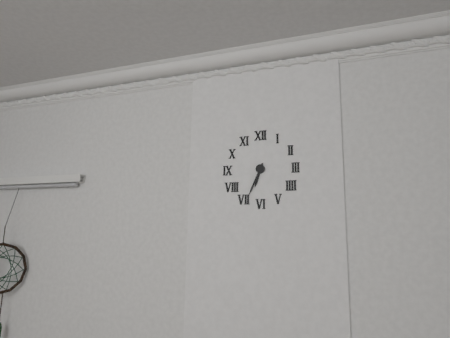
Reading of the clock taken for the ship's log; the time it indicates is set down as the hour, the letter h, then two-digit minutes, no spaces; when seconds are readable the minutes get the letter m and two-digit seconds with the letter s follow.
6h34
